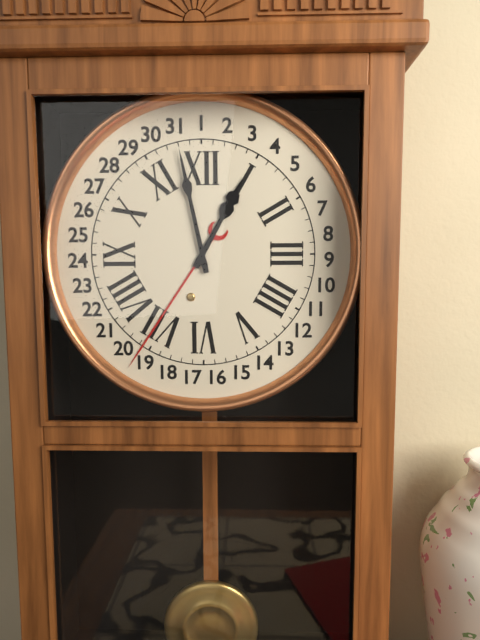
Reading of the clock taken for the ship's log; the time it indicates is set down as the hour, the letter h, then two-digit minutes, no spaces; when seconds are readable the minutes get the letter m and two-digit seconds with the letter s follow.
12h58
